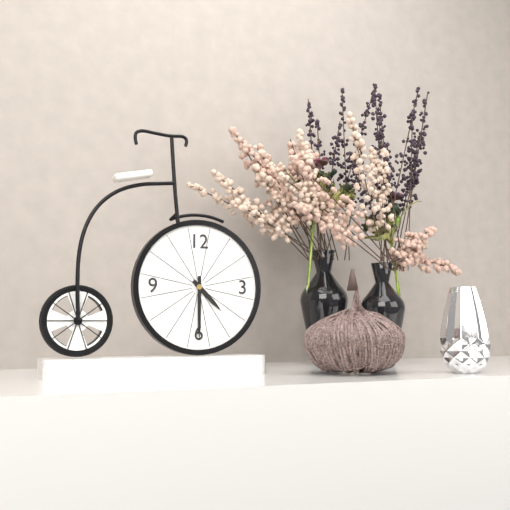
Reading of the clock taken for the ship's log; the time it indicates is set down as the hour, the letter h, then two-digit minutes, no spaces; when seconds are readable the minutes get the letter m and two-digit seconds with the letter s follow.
4h30
